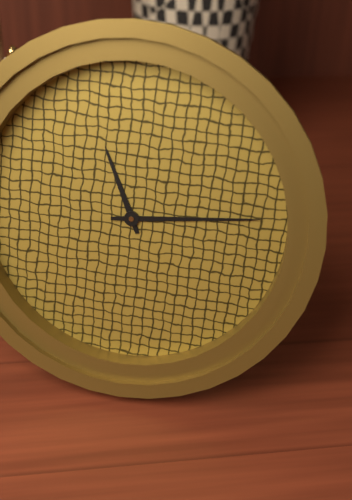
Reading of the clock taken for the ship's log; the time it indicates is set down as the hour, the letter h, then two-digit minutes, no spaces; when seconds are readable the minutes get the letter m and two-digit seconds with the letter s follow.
11h14
